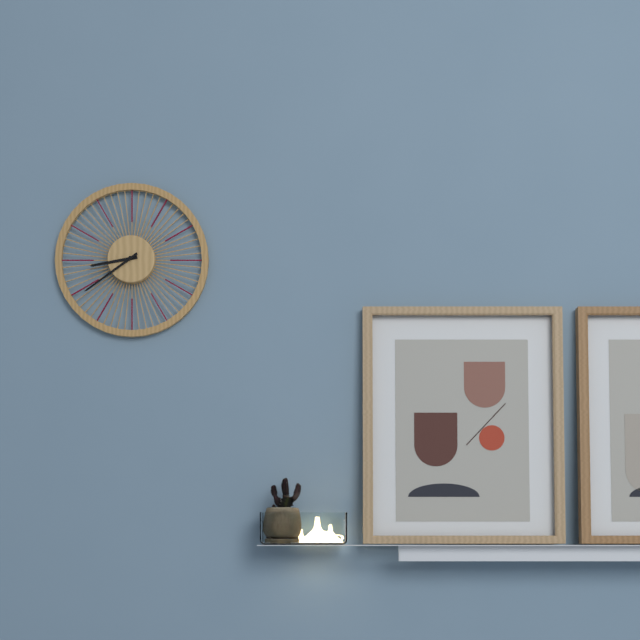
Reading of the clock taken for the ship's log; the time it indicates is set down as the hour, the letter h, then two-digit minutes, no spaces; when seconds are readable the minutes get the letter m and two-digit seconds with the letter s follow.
8h39
